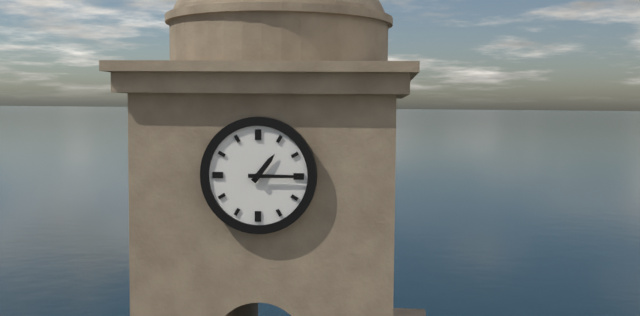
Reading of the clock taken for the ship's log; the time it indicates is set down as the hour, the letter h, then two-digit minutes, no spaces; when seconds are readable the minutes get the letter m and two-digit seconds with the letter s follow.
1h15
